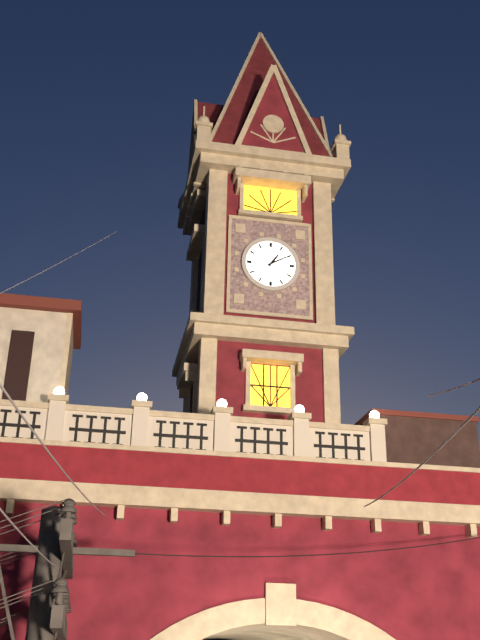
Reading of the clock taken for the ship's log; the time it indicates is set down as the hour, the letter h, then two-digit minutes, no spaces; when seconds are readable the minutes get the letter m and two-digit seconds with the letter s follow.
1h10
